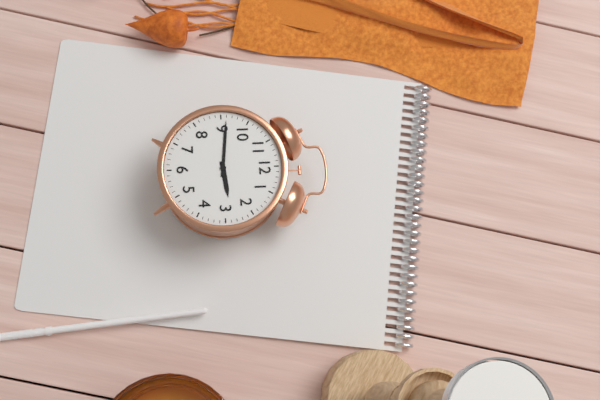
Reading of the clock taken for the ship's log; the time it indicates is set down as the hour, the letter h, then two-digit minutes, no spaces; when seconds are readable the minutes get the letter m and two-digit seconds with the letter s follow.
2h46
